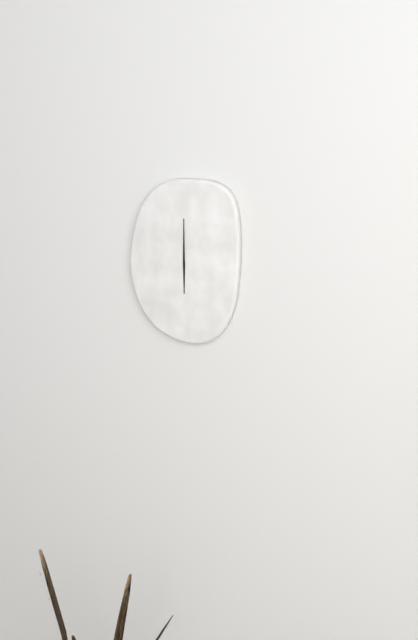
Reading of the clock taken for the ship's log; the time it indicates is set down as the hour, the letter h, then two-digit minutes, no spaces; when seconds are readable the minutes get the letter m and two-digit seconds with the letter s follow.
6h00
